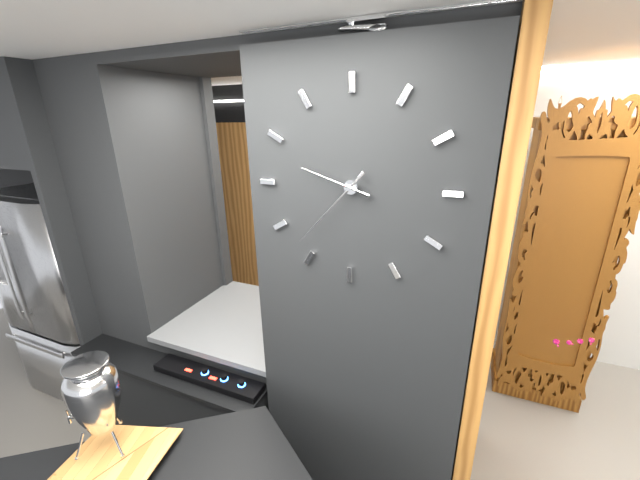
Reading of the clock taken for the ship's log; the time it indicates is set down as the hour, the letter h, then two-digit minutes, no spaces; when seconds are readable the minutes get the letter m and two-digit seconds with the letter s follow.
9h37
